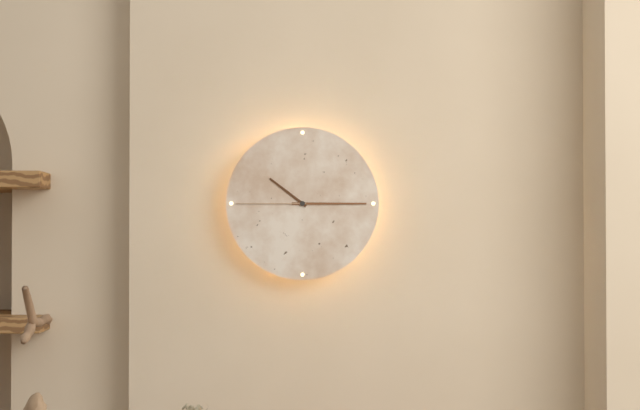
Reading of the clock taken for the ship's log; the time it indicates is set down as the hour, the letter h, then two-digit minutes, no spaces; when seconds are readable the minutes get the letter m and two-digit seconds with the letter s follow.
10h15m45s
